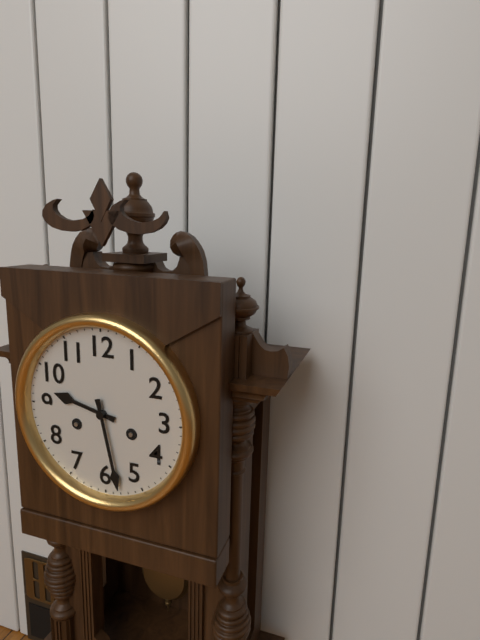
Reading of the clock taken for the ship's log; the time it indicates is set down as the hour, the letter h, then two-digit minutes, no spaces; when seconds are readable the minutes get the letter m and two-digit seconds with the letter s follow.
9h28
